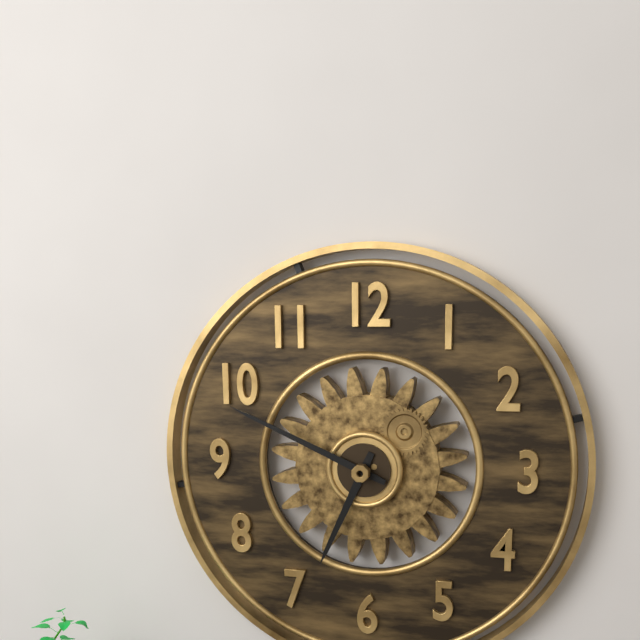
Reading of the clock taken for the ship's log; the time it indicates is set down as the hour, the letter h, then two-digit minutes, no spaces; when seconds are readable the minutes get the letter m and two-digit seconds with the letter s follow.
6h49
